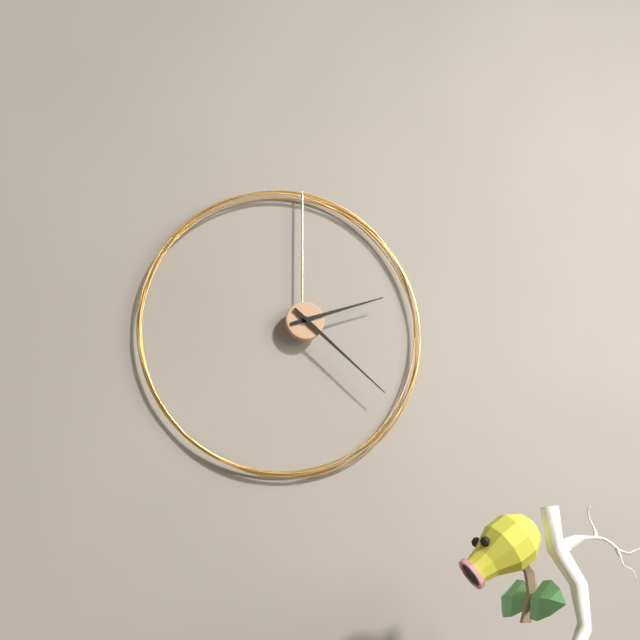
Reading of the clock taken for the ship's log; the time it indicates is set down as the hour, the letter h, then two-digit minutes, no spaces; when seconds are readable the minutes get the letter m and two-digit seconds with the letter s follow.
2h22
